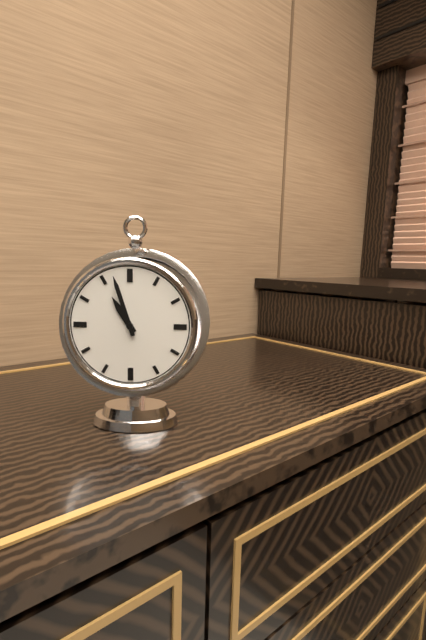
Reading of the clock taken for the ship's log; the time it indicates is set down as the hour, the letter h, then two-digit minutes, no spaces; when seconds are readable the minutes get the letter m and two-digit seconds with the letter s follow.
10h57
